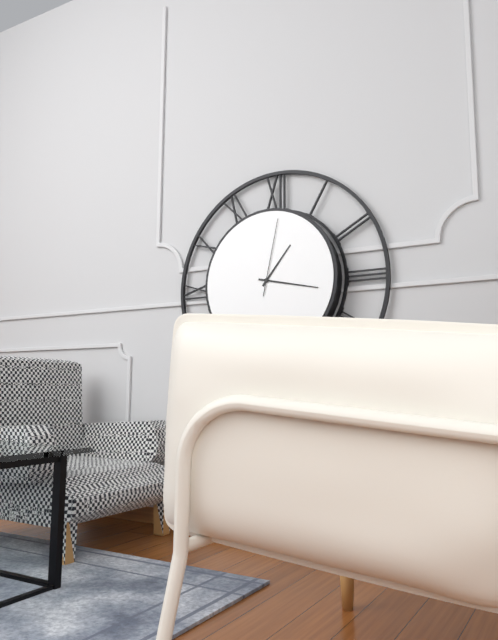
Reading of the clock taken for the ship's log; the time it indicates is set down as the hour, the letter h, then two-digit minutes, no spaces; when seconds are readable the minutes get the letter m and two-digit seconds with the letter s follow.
1h17m02s
